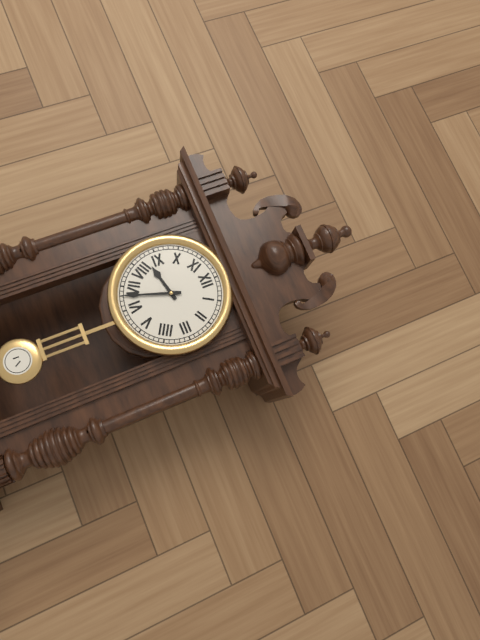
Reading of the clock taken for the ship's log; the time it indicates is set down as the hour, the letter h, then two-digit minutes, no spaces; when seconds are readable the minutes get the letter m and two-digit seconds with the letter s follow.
8h33
